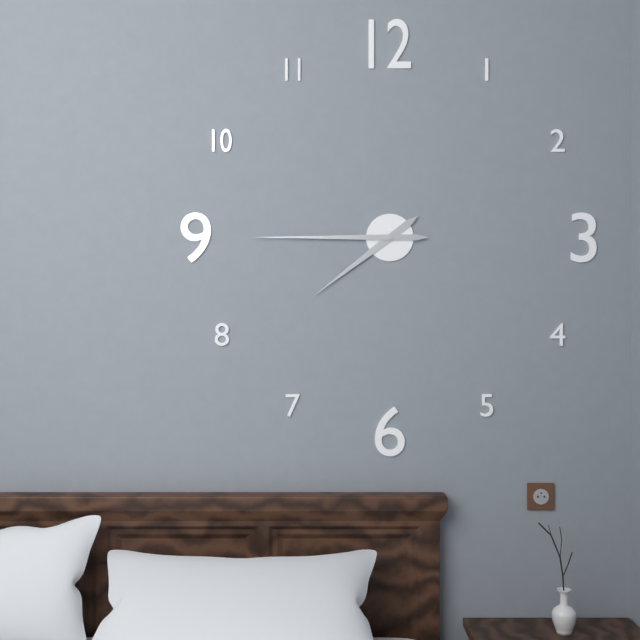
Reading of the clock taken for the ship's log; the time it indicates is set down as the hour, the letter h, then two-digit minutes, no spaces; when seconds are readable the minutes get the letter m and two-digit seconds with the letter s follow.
7h45
